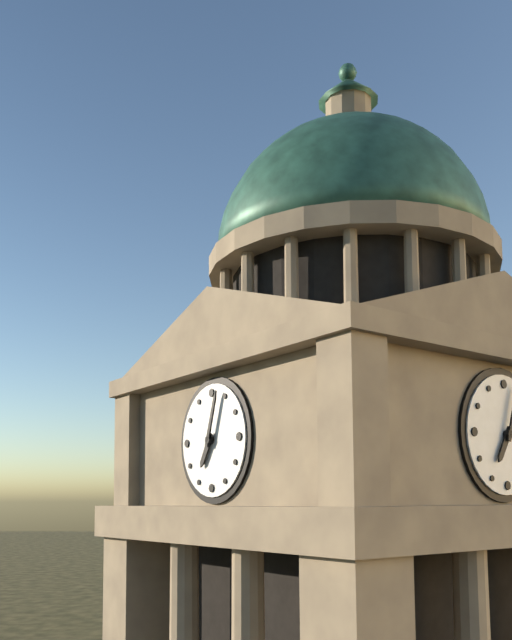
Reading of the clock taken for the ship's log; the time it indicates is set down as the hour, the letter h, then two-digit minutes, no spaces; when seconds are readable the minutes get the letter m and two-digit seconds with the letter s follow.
7h03
